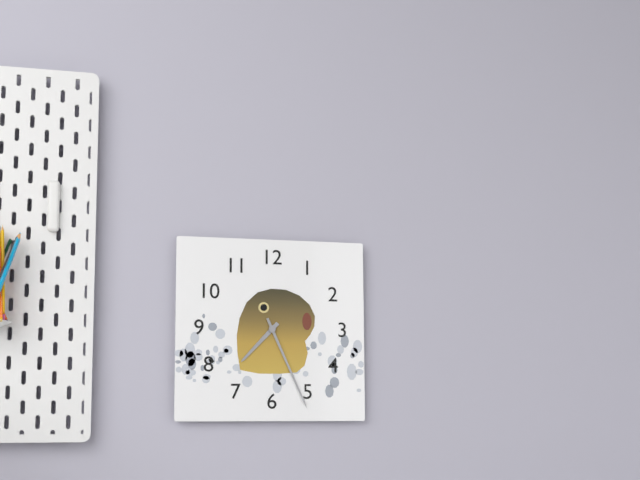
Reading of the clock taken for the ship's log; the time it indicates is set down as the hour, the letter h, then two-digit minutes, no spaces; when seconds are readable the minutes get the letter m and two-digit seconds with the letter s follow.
7h26
